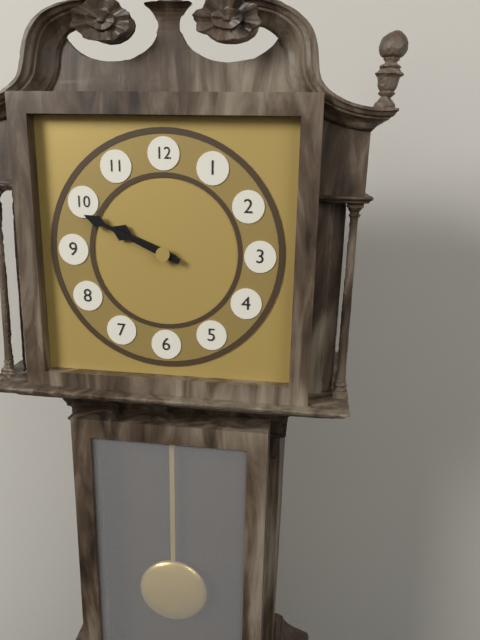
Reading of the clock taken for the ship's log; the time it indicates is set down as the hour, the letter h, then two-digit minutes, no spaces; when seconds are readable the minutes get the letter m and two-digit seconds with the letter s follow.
9h49
